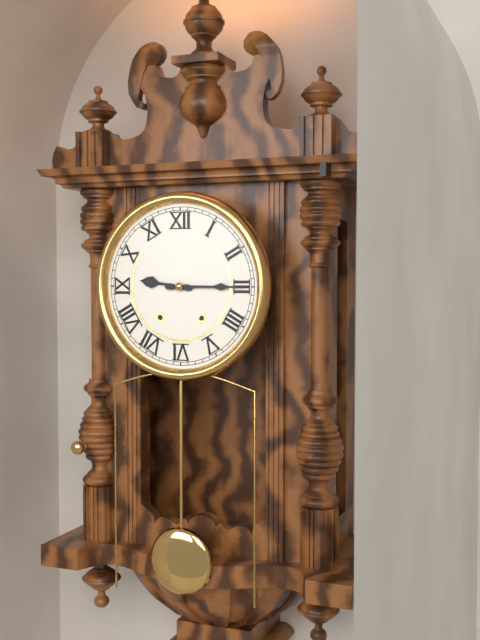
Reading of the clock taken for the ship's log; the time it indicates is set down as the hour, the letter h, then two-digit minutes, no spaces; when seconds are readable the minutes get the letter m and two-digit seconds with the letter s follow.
9h15
